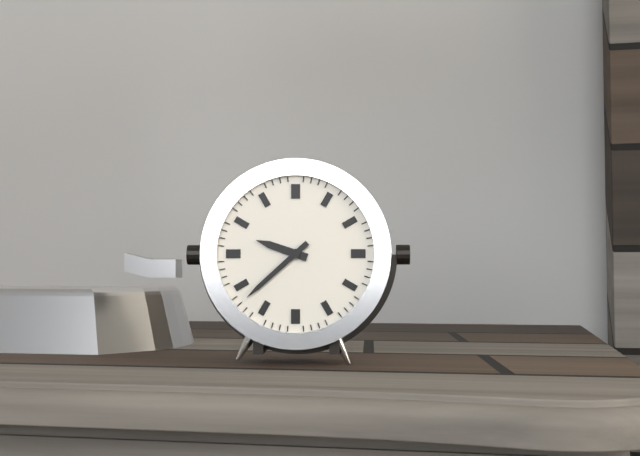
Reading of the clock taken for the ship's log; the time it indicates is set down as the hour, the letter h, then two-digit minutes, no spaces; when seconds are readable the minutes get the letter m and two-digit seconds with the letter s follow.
9h38
